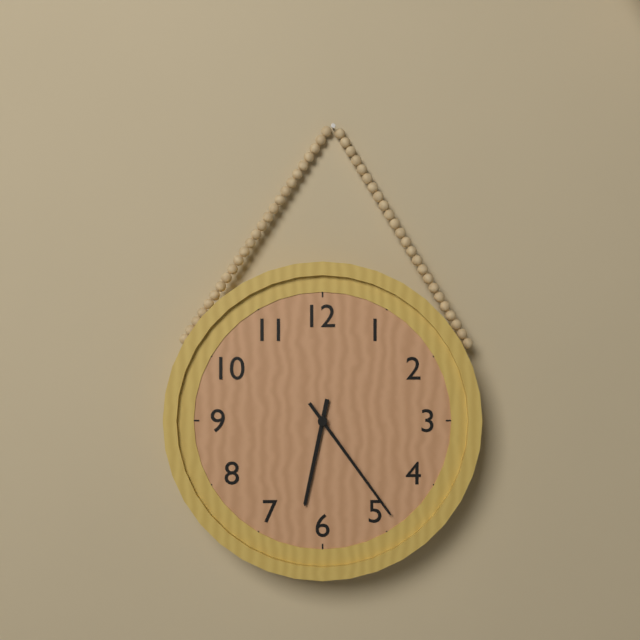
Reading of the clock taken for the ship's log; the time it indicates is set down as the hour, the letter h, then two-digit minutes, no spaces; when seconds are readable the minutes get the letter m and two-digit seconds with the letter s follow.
6h24
